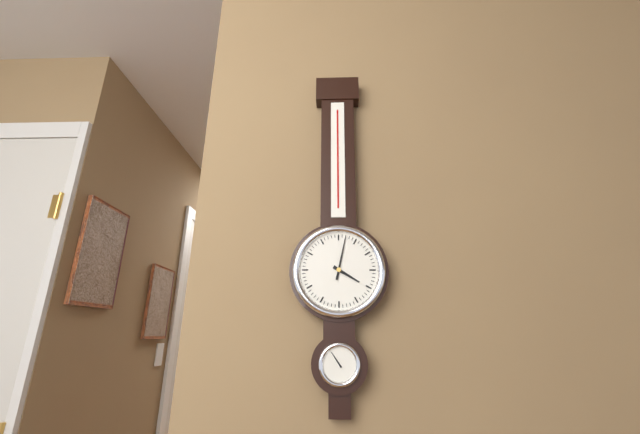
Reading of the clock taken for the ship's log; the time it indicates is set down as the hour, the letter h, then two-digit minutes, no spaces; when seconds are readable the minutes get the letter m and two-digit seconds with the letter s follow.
4h02
